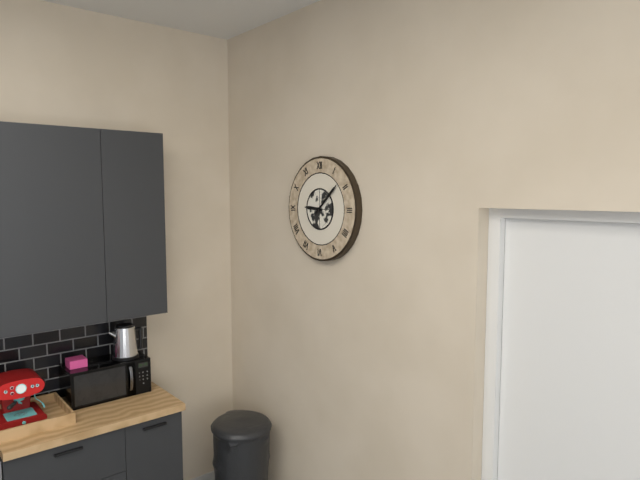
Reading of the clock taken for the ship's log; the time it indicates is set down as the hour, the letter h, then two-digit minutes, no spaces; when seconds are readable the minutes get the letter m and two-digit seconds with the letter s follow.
9h08
